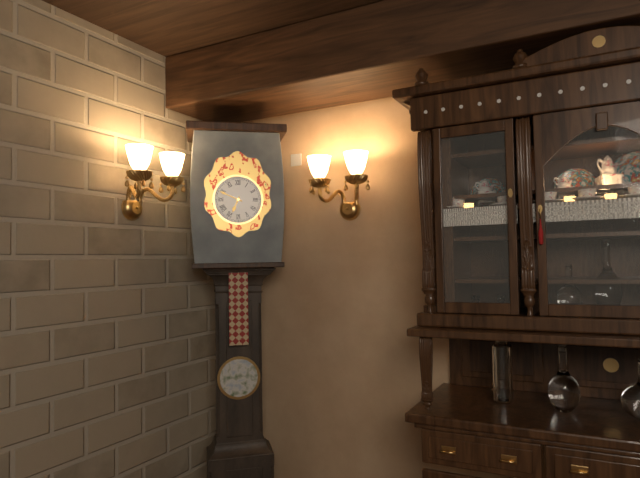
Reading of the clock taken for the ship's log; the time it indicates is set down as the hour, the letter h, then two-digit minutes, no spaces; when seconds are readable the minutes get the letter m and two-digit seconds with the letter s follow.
6h49
